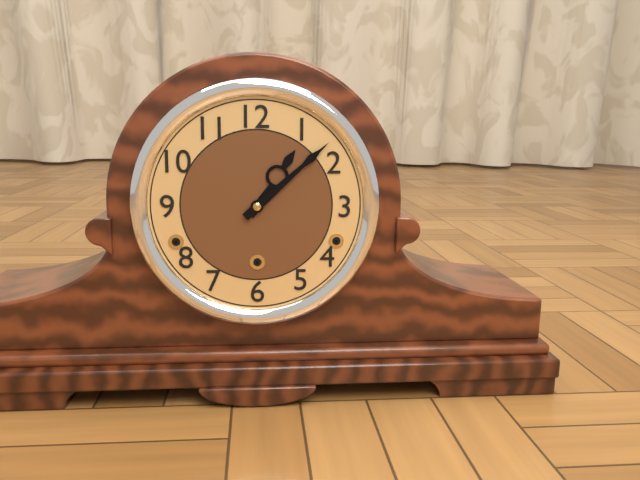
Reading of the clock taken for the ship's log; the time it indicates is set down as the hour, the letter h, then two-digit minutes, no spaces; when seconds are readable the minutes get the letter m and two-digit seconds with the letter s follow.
1h08
